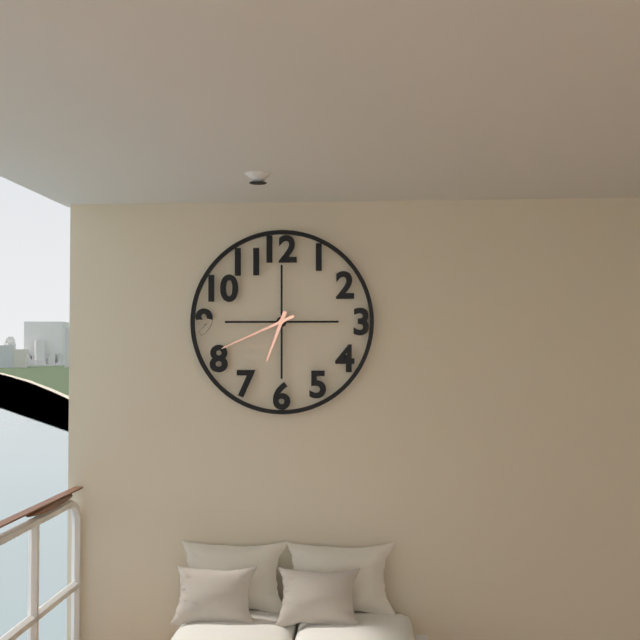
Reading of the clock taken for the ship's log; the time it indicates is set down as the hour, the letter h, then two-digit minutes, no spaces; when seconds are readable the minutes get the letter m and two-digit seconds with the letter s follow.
6h41
